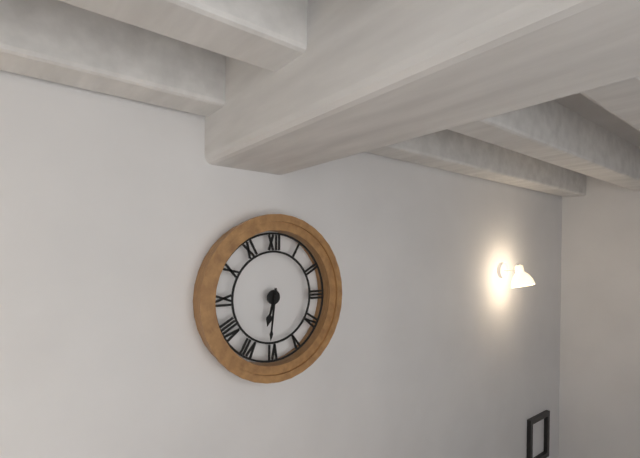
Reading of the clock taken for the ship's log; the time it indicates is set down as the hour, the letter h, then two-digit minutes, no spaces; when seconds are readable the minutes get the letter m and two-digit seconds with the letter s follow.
6h31
